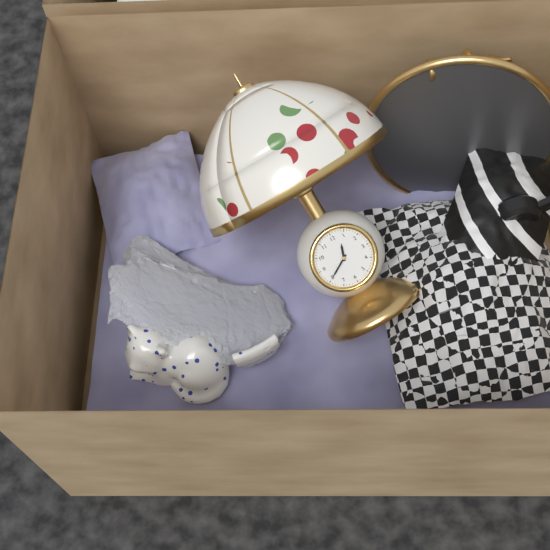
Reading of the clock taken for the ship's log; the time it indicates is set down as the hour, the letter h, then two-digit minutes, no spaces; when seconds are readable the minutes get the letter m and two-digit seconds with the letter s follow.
12h40
